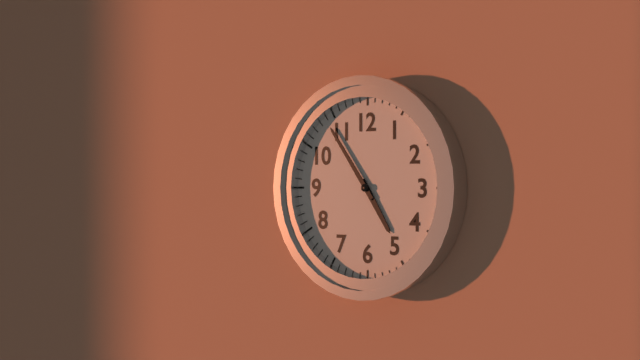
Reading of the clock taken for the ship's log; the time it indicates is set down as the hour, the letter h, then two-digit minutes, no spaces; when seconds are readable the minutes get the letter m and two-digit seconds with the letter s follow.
4h54
